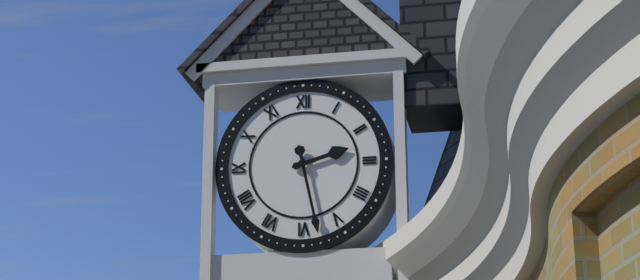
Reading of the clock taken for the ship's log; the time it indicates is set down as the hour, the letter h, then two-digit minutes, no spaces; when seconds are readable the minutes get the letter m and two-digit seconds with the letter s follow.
2h28
